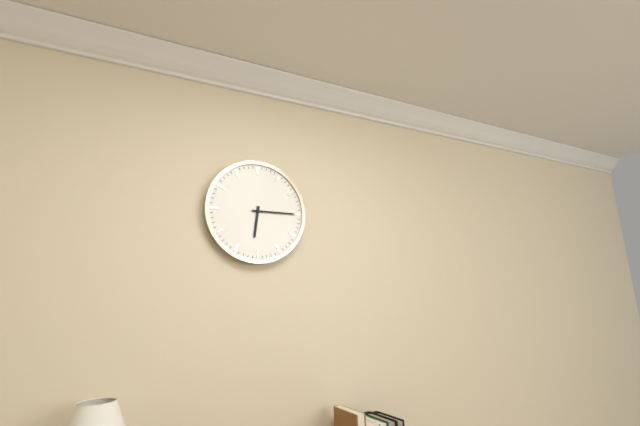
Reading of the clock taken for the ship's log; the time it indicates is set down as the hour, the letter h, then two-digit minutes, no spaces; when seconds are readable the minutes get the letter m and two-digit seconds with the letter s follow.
6h15
